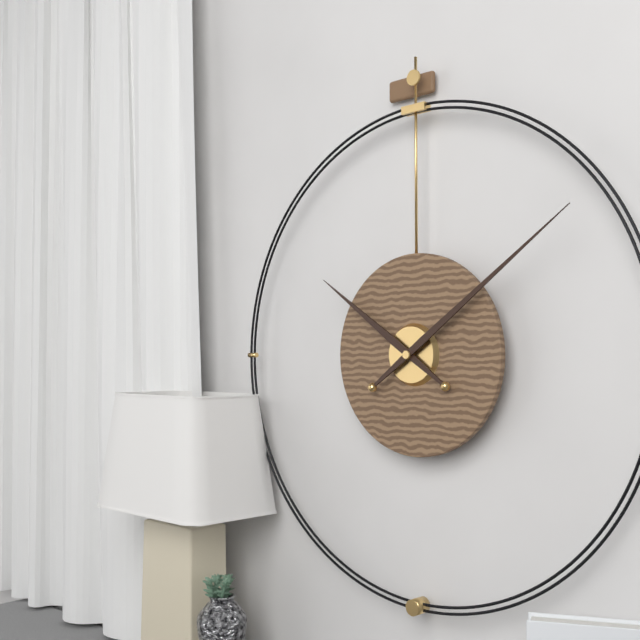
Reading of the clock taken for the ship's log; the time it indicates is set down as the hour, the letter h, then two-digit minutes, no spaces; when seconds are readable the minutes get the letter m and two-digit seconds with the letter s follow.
10h09
